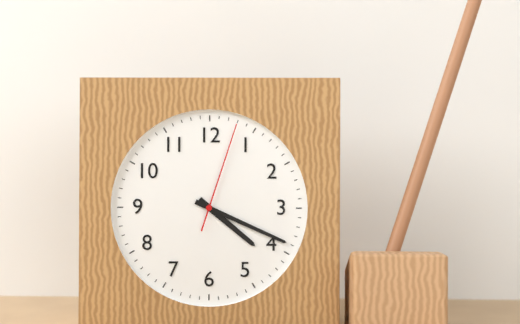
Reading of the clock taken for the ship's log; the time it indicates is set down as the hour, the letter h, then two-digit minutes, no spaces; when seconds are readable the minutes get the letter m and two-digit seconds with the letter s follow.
4h19m03s
